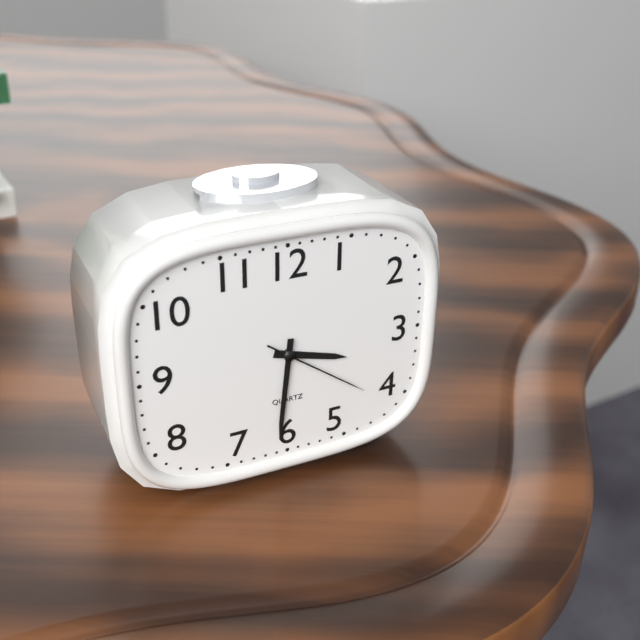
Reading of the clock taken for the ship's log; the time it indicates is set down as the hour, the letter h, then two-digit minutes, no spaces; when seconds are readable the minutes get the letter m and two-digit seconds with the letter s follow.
3h31m21s
